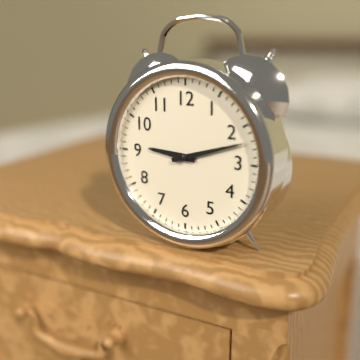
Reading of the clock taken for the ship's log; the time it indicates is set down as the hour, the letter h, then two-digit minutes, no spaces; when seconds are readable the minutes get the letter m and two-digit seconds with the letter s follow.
9h12
